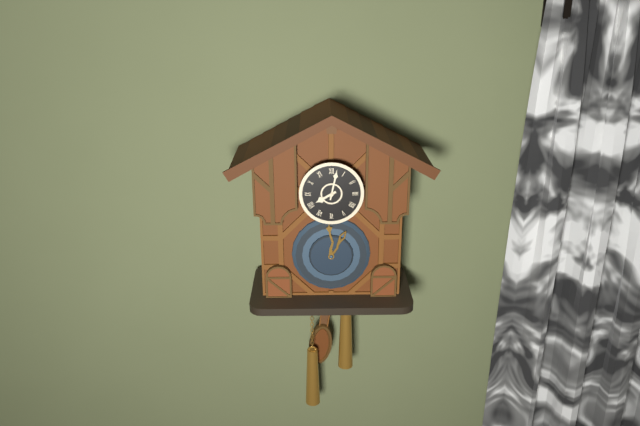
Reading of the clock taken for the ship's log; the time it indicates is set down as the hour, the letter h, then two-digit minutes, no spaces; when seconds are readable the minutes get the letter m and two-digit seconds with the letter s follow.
8h02
